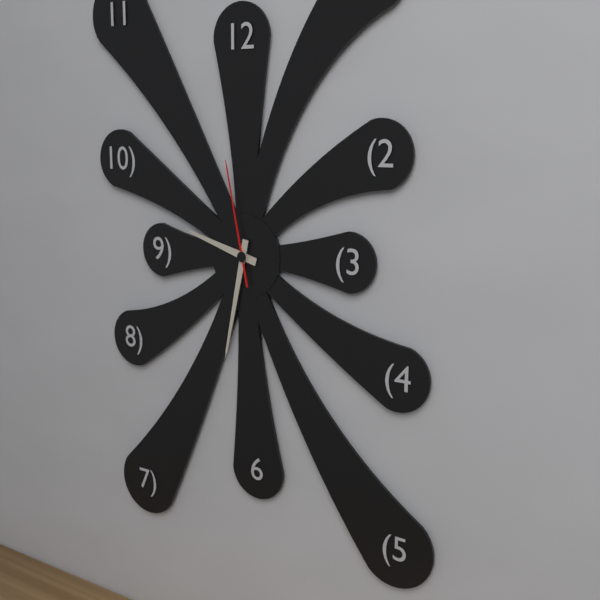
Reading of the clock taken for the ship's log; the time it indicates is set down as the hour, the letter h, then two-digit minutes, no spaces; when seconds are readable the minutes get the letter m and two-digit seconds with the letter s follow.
9h32m58s
